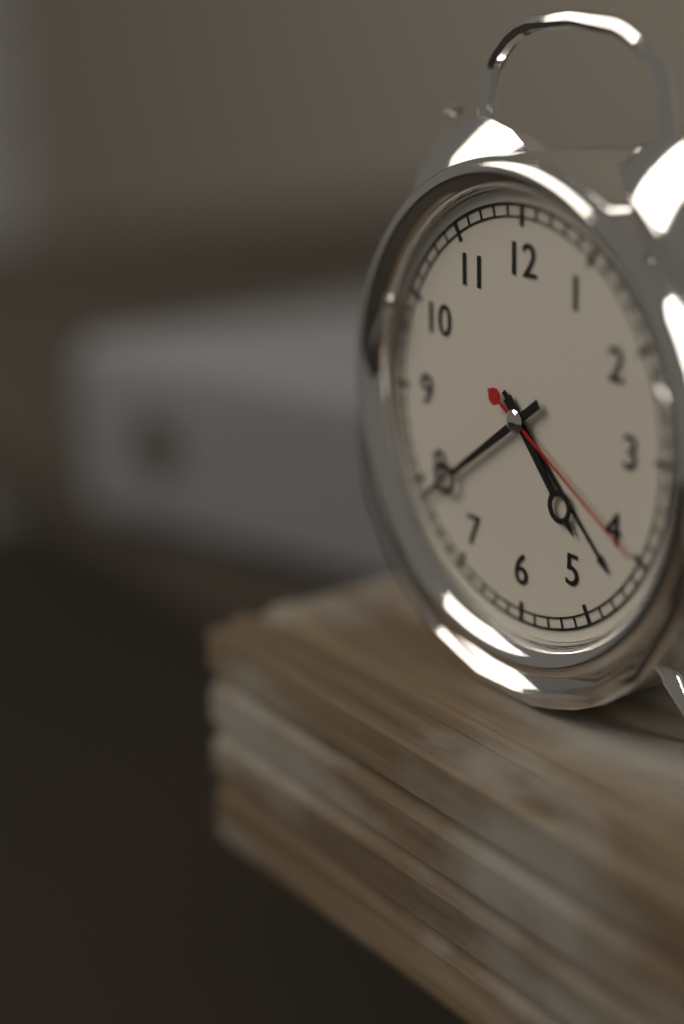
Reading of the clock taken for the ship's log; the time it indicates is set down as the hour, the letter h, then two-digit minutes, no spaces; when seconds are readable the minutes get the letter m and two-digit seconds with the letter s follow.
4h39m20s
